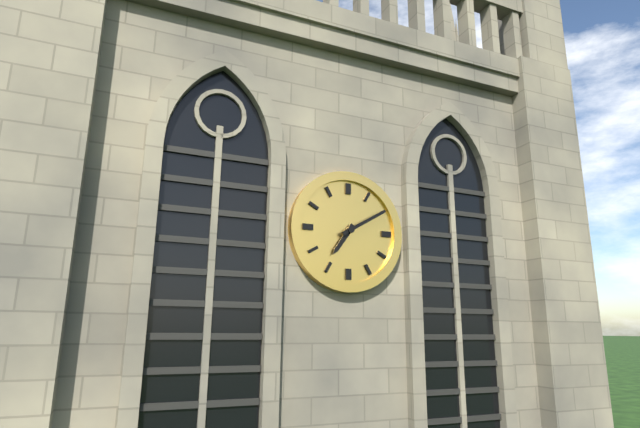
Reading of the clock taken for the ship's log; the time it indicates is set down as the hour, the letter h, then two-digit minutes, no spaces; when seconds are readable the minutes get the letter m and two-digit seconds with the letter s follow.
7h10
